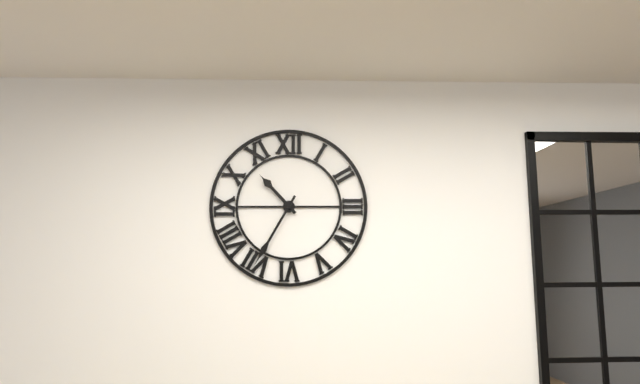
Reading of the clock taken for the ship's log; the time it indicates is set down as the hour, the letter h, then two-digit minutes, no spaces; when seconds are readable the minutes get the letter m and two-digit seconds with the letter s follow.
10h35
